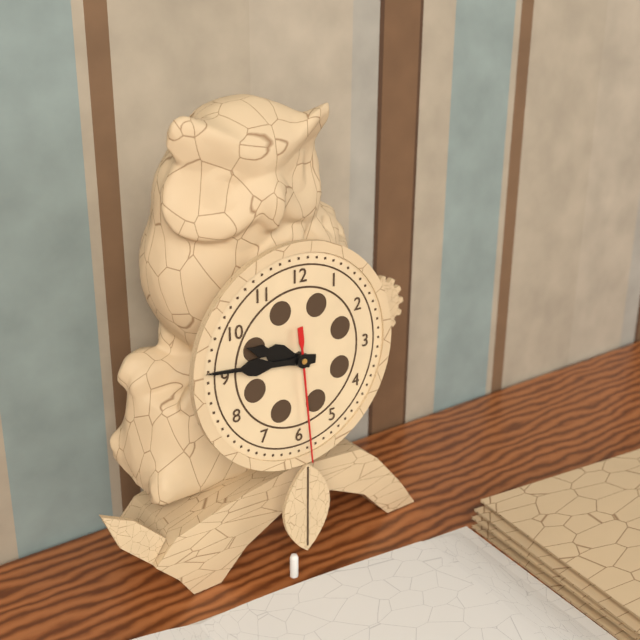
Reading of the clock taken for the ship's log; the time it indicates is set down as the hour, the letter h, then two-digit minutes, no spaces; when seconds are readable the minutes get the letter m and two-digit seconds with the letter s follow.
9h46m29s
